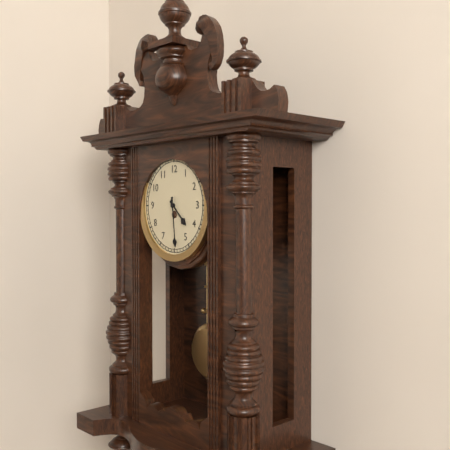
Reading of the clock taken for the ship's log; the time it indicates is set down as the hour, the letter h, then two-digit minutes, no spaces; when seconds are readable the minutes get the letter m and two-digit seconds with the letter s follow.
4h29
